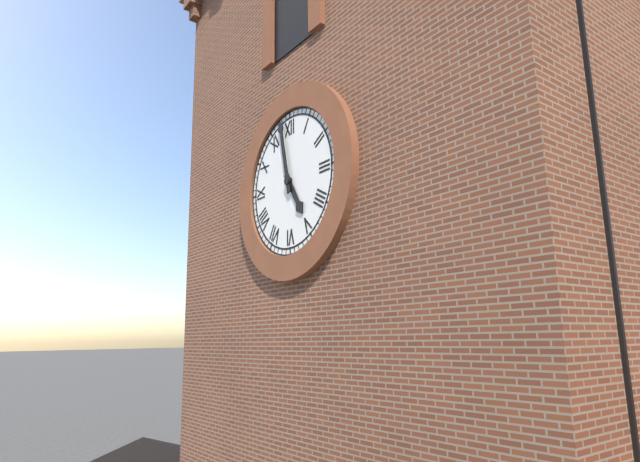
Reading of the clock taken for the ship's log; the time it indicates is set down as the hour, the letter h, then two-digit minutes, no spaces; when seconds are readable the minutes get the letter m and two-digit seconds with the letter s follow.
4h58
